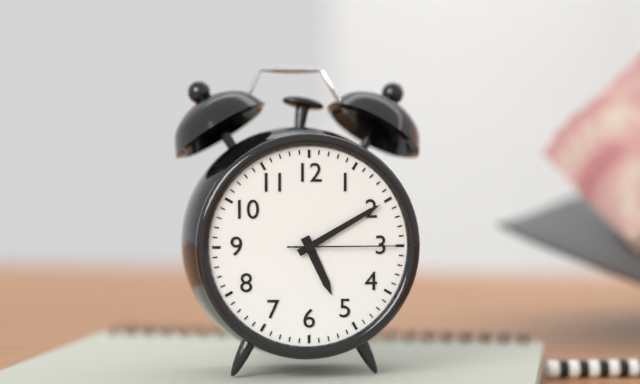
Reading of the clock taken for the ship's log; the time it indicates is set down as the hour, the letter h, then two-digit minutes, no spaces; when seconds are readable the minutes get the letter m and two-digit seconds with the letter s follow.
5h10m15s
